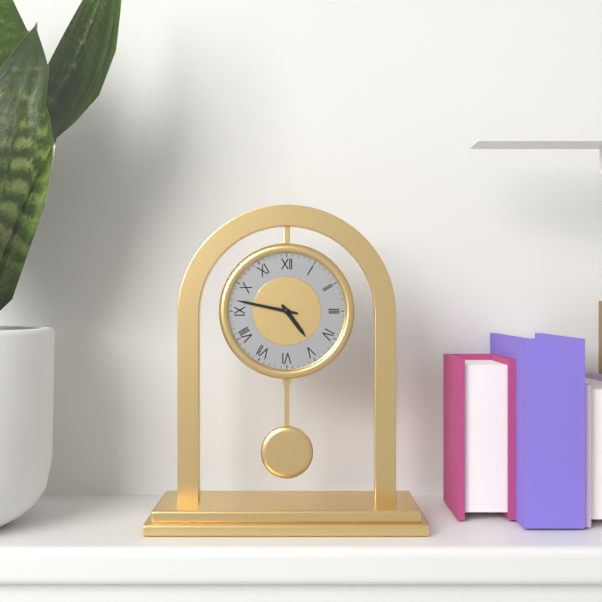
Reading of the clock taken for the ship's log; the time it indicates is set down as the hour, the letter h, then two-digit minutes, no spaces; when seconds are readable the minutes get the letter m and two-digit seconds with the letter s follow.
4h47
